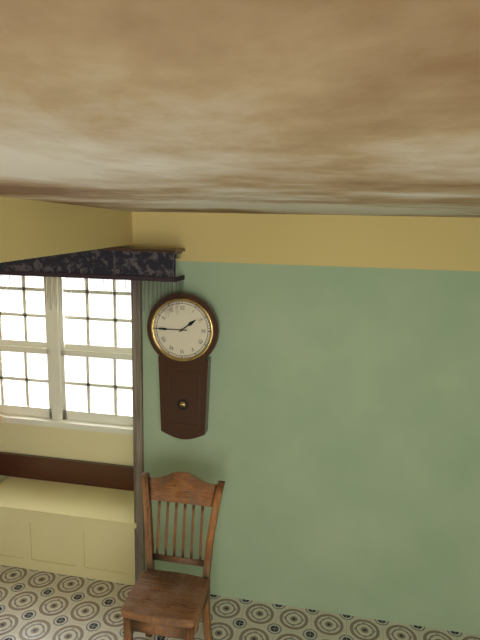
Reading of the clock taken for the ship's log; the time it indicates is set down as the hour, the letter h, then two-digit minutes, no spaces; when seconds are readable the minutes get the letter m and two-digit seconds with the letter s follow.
1h45
